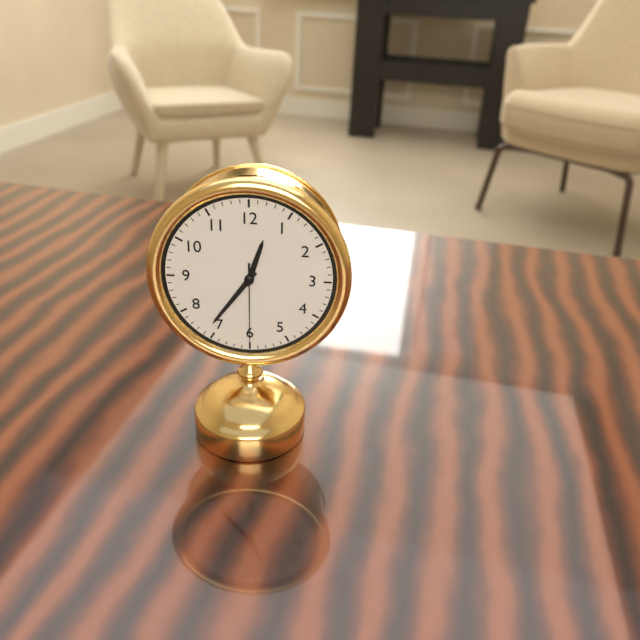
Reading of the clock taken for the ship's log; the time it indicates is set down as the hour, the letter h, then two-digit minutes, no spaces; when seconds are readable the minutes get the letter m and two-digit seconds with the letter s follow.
12h36m30s
